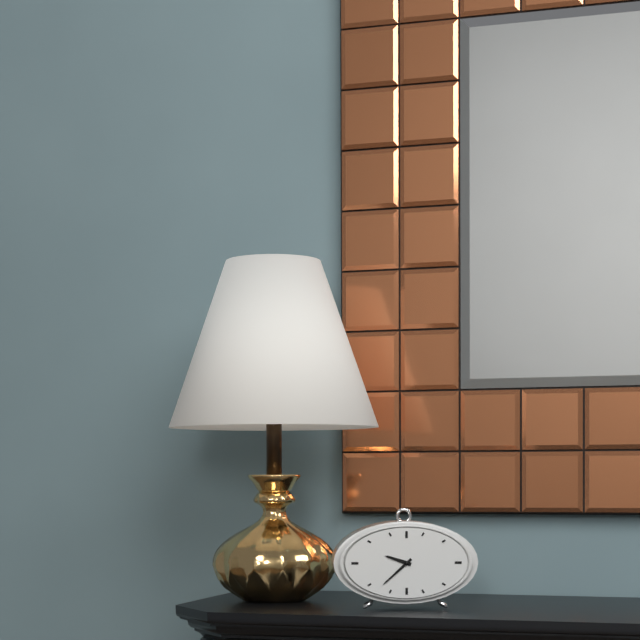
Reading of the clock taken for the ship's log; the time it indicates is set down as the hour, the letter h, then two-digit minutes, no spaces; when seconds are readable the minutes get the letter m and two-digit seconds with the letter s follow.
9h38
